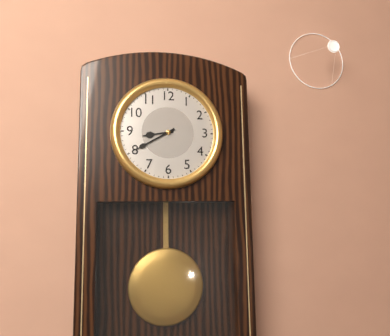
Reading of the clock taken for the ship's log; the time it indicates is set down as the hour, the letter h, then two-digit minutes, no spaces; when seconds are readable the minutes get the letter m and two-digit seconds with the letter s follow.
8h40
